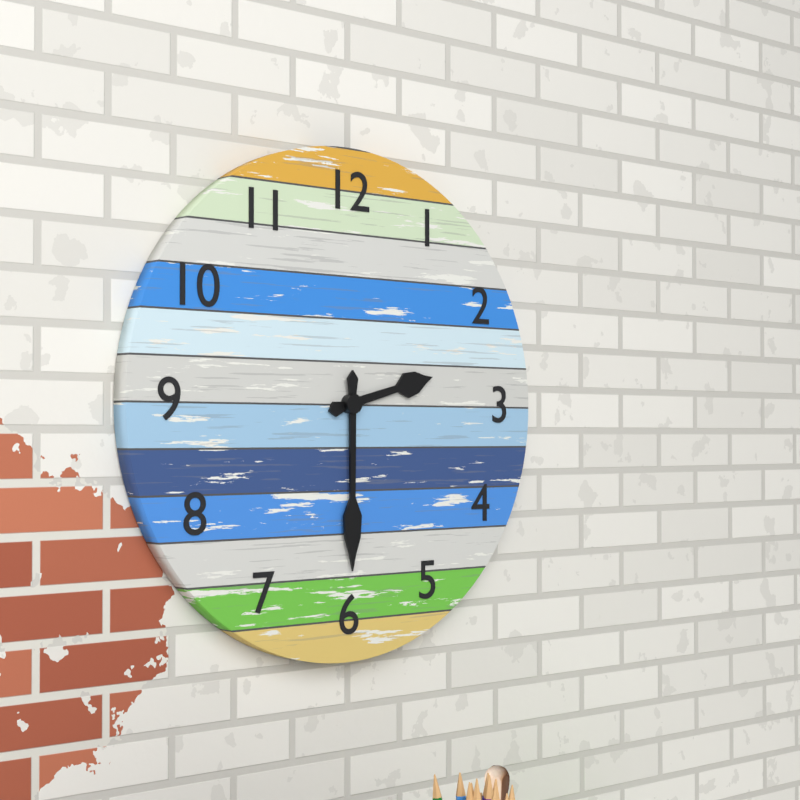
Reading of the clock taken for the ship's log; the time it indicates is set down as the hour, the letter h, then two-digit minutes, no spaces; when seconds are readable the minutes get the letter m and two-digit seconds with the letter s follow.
2h30
